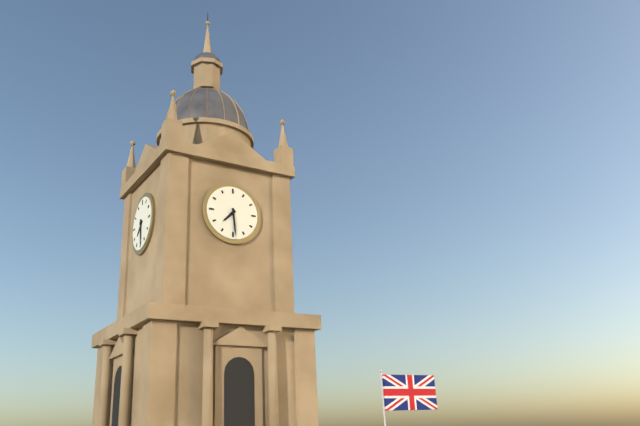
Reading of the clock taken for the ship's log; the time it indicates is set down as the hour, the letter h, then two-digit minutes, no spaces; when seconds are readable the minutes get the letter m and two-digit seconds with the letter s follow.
7h29
